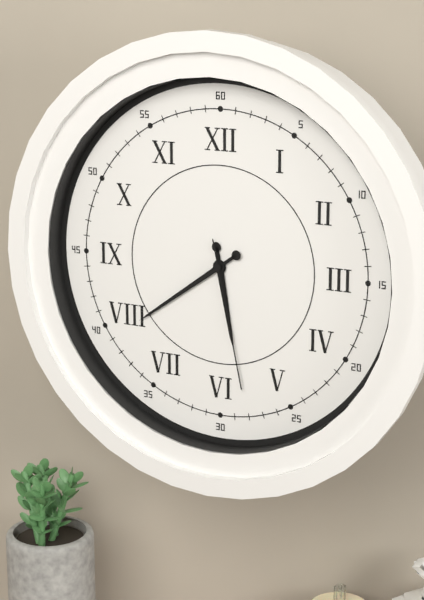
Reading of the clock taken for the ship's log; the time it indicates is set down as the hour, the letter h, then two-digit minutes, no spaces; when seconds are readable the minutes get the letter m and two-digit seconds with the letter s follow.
5h39m28s
